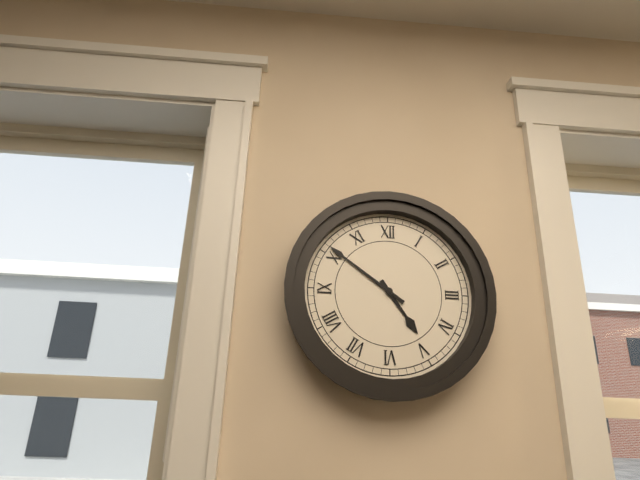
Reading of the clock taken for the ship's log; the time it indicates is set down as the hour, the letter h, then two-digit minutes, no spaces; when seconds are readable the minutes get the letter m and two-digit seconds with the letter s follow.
4h51
